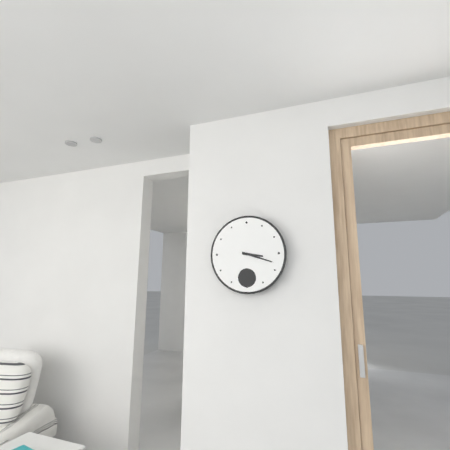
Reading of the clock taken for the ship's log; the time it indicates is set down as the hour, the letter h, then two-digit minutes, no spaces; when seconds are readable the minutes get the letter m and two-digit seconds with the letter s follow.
3h18
